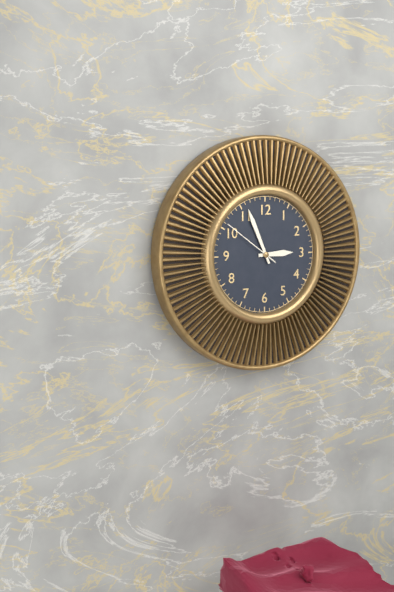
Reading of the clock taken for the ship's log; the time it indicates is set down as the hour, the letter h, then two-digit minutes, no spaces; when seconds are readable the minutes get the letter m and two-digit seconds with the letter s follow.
2h56m51s
